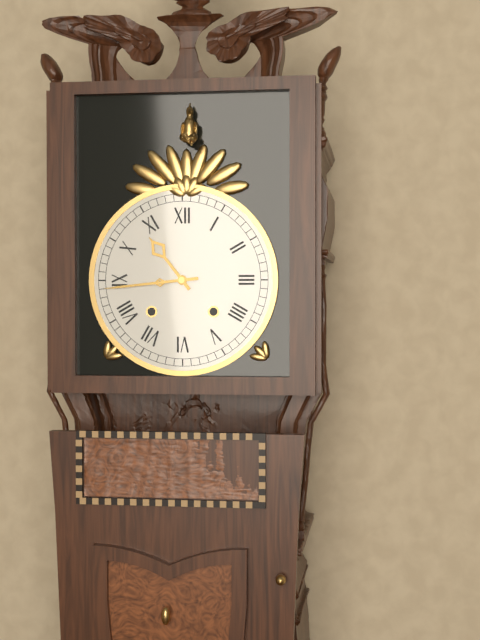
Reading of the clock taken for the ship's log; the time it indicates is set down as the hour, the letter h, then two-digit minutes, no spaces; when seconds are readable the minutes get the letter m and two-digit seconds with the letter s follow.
10h44
